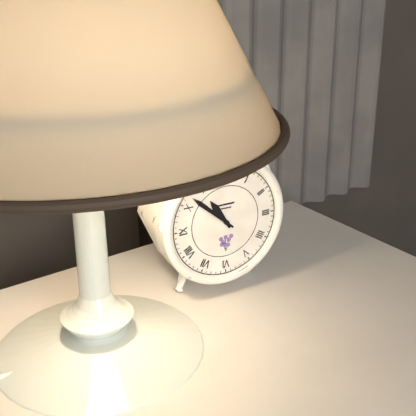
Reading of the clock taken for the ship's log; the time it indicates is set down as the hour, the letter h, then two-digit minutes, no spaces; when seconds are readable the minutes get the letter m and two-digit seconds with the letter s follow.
10h52
